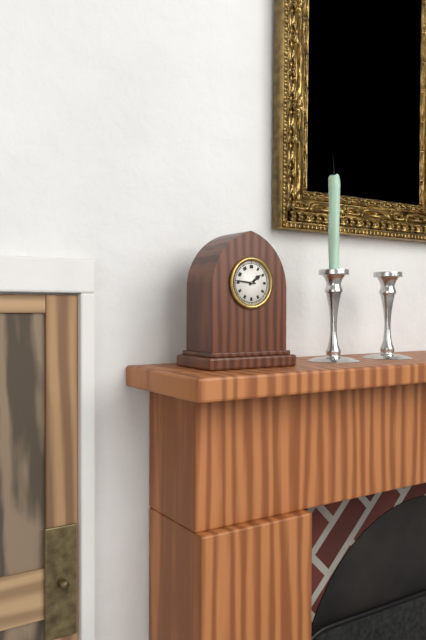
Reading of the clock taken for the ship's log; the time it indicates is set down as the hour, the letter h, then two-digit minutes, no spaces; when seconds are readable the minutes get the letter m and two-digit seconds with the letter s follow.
1h46
